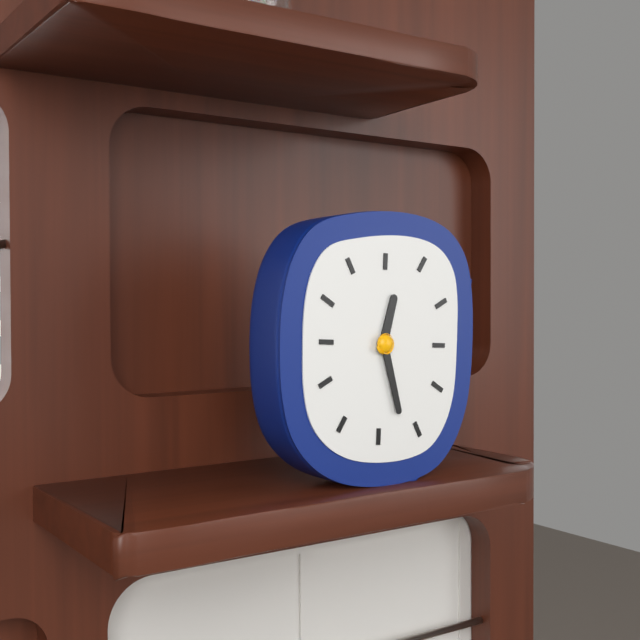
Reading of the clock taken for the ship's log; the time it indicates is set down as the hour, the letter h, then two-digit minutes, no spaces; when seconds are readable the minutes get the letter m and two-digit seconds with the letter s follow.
12h27
